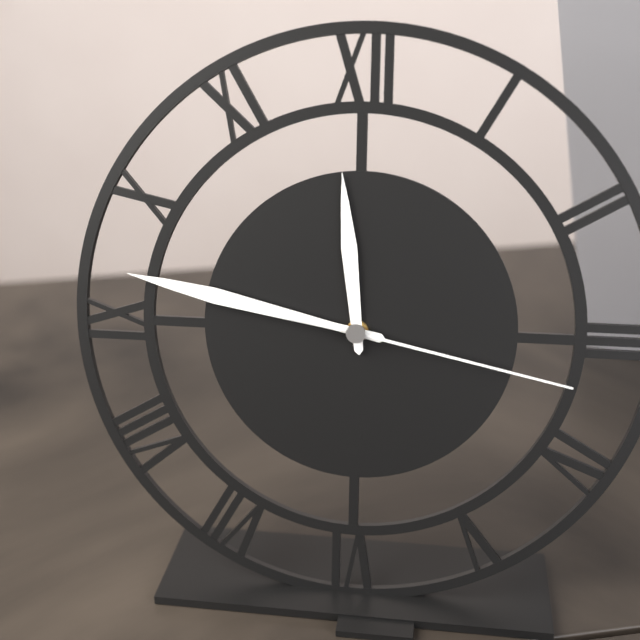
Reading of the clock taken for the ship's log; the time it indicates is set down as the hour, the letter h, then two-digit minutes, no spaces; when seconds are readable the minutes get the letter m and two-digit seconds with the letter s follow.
11h47m17s
